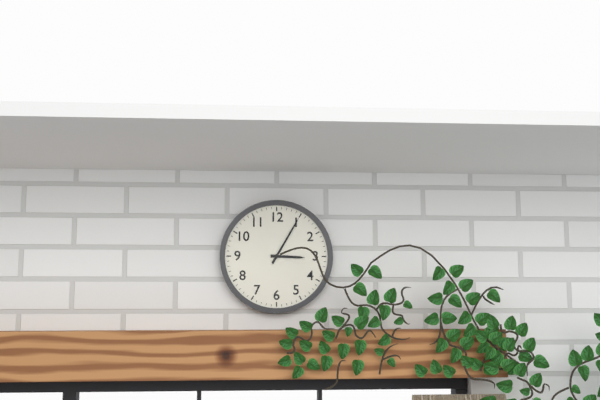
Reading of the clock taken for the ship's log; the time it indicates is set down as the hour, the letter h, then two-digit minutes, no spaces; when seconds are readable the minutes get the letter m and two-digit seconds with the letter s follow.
3h05
